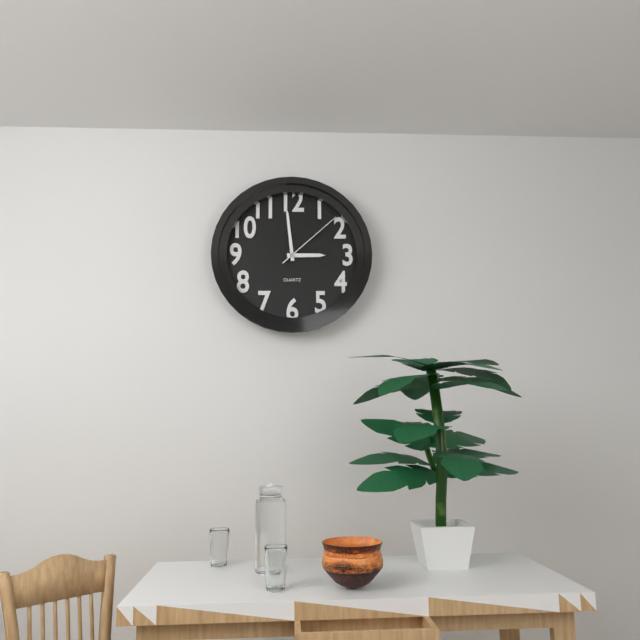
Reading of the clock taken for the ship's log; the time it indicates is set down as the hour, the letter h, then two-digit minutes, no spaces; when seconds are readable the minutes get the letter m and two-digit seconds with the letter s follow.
2h59m08s
